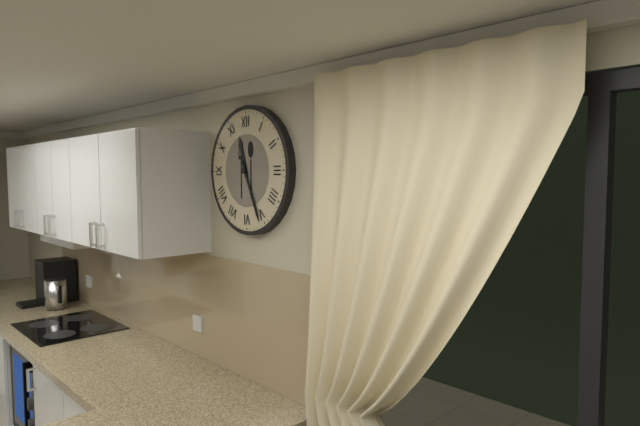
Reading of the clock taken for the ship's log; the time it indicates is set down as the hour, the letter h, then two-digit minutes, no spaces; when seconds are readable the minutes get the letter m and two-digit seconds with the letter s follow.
11h26
